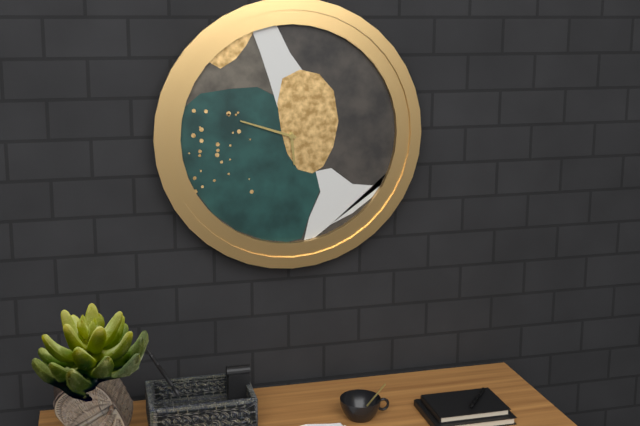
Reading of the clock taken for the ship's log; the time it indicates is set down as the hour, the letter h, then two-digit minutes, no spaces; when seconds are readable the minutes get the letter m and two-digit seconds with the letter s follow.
5h48
